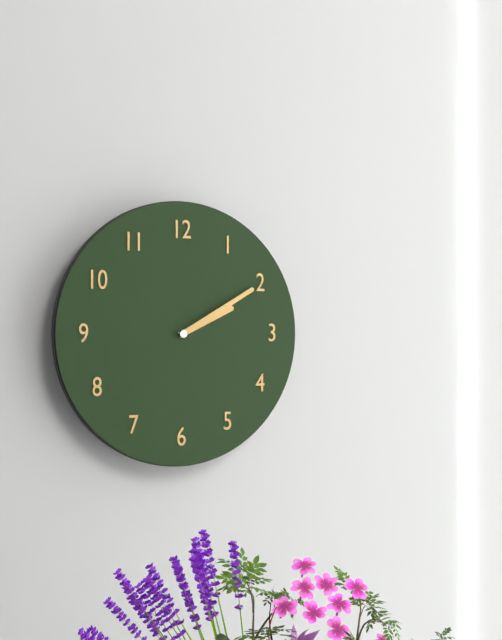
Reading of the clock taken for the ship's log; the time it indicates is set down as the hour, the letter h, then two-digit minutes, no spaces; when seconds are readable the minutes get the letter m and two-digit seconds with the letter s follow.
2h10
